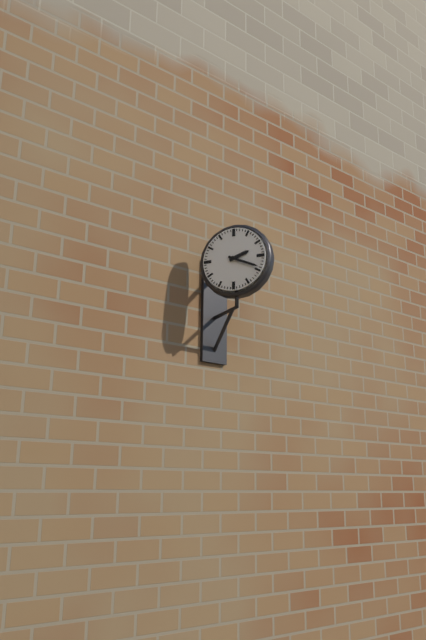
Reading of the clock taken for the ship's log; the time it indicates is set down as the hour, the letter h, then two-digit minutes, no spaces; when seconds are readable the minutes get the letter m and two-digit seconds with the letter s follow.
2h19
